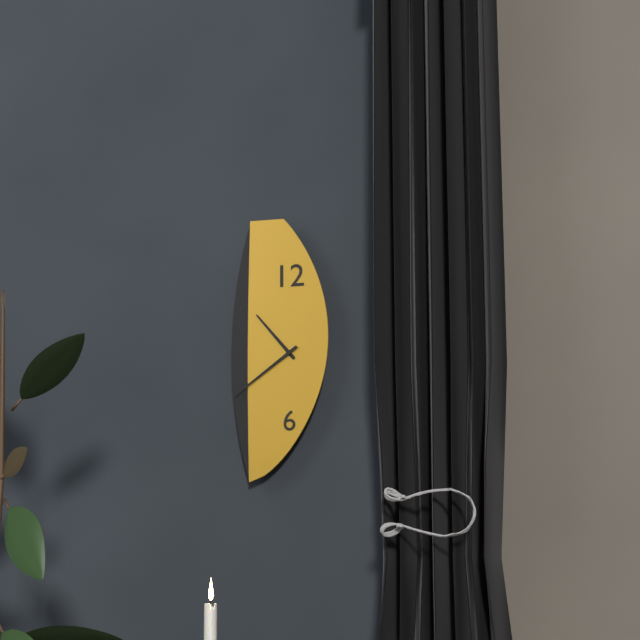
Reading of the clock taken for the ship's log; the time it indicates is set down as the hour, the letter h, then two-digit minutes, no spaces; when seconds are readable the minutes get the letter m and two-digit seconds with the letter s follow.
10h39
